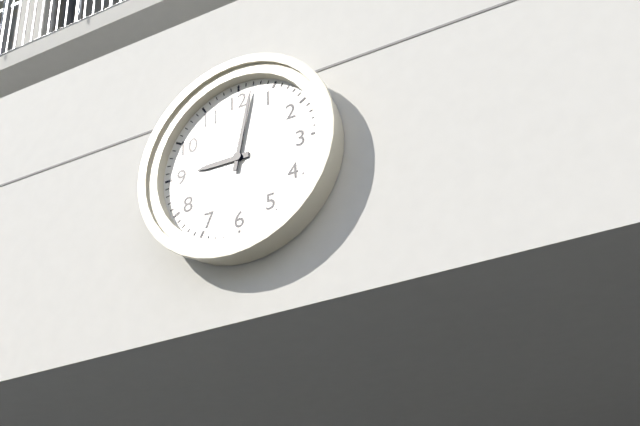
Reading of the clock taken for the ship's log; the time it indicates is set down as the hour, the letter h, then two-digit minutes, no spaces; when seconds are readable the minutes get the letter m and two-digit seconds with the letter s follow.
9h02
